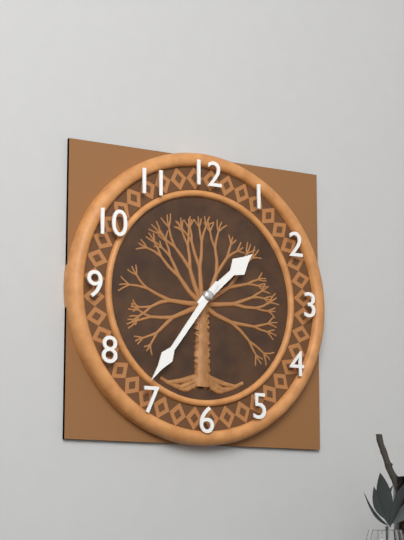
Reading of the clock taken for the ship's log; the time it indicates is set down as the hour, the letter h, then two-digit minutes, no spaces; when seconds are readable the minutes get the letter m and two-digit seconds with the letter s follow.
1h36
